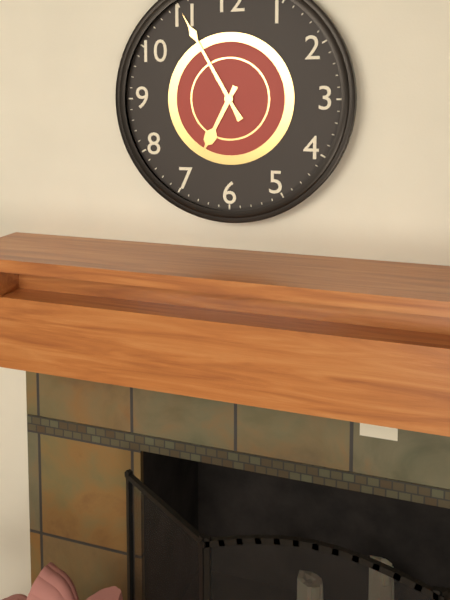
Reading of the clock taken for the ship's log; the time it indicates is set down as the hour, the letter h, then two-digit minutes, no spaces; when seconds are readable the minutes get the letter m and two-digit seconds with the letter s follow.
6h55
